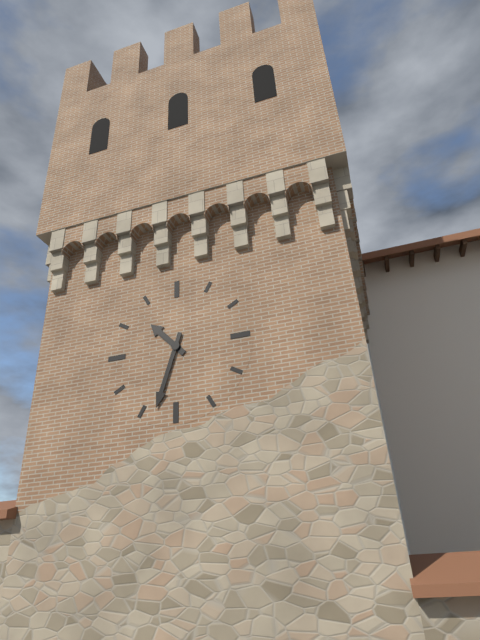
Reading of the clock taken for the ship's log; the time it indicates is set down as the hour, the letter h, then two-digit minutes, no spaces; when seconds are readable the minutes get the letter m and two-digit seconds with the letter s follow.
10h33
